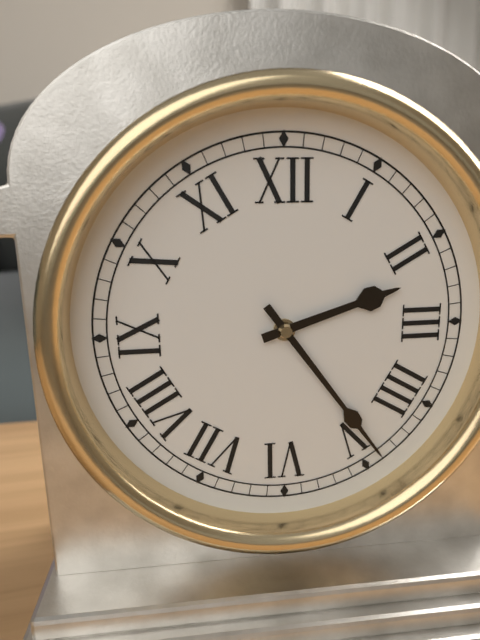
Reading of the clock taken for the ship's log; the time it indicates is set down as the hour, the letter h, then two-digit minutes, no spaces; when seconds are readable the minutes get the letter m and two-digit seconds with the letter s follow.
2h24
